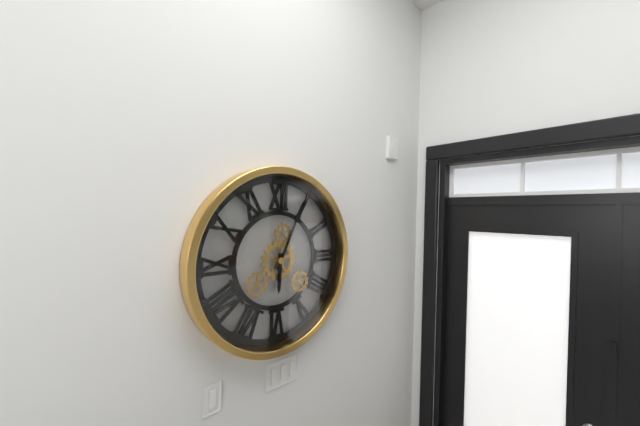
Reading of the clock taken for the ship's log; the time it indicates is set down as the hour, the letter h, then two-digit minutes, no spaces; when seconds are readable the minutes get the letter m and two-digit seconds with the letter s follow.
6h04
